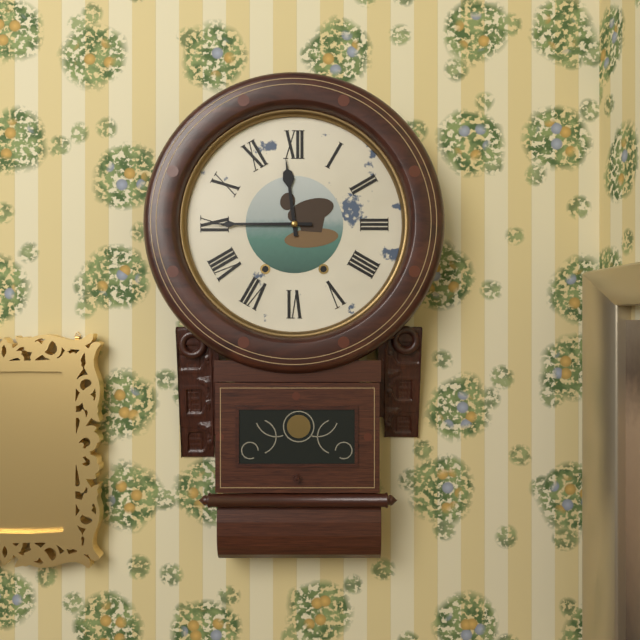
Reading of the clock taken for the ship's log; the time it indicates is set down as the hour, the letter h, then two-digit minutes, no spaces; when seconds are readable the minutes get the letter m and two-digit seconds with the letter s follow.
11h45
